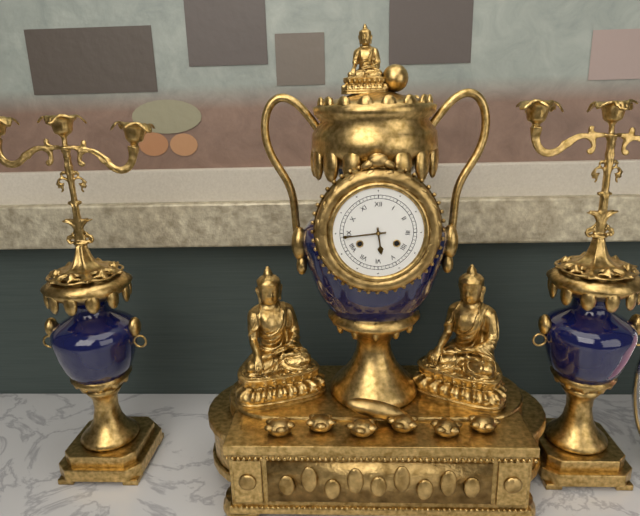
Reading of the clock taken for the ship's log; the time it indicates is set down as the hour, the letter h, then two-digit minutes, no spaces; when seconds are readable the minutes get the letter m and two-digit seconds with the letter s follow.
5h44
